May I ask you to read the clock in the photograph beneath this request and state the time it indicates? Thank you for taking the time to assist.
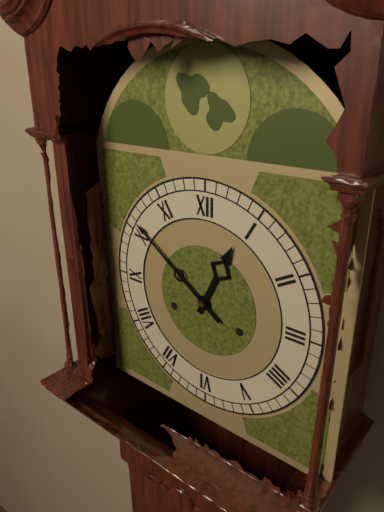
12:51
